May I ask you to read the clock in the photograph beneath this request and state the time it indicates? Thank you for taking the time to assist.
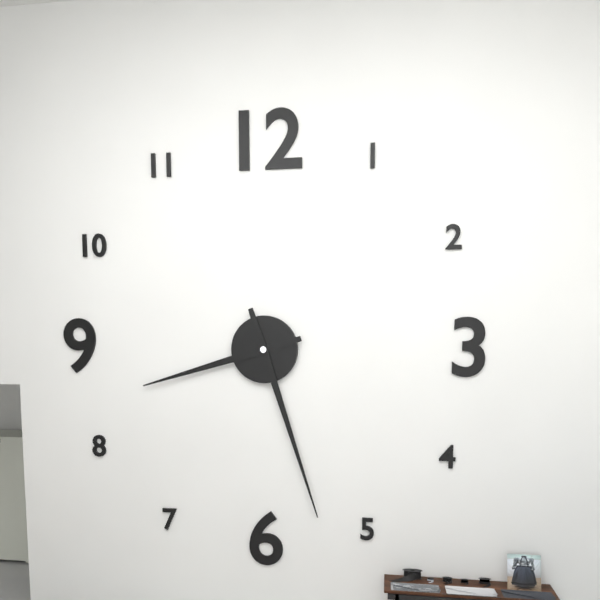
8:27
